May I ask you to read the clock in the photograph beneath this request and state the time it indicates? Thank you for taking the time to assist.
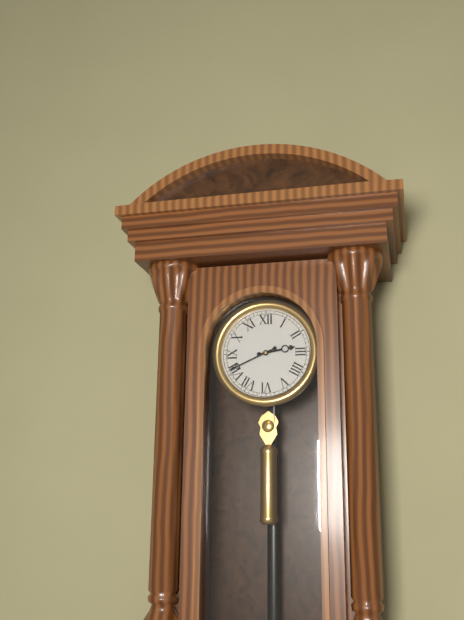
2:41
